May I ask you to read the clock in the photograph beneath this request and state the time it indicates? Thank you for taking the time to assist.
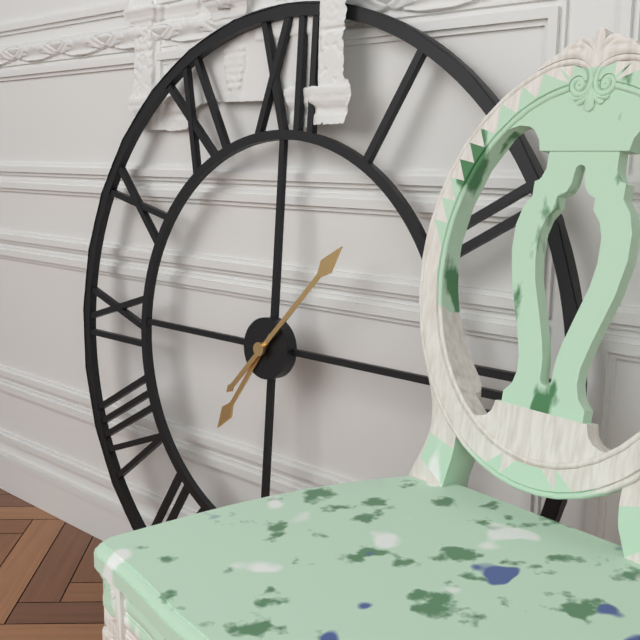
7:07
